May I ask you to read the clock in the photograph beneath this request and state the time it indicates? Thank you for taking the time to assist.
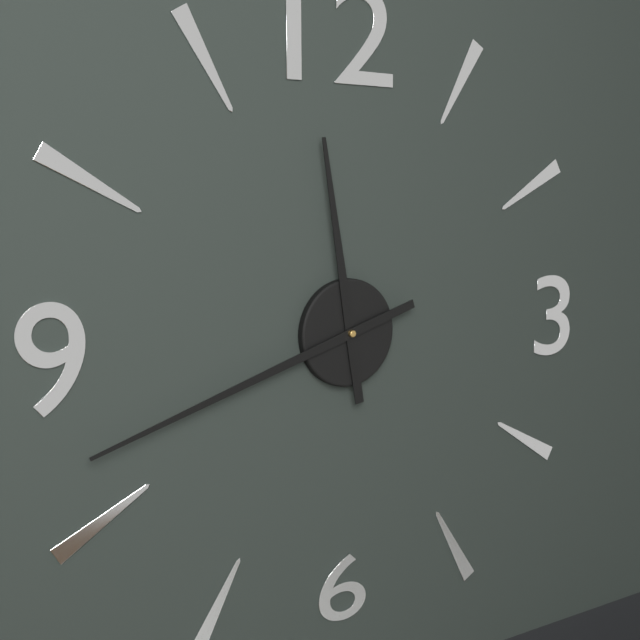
11:42
